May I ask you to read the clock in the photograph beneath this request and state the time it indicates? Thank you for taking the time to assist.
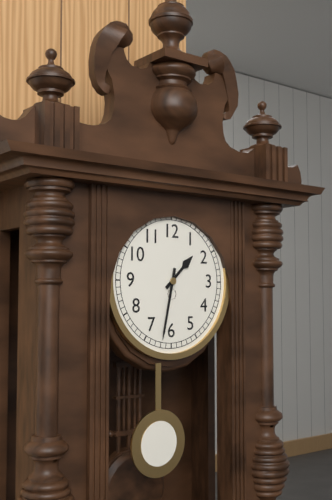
1:32
